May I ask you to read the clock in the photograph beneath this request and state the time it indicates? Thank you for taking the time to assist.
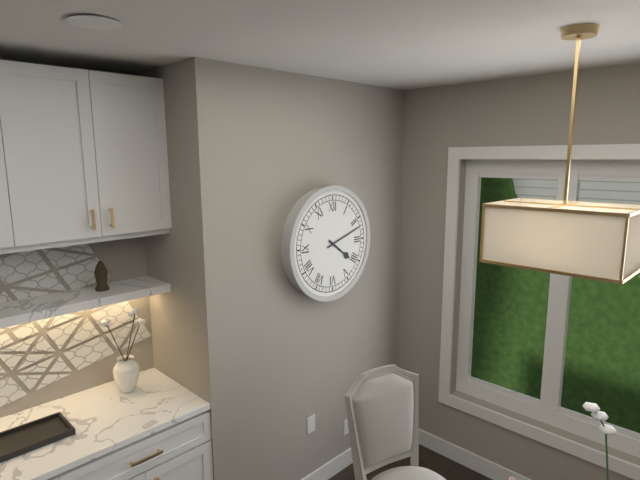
4:12
